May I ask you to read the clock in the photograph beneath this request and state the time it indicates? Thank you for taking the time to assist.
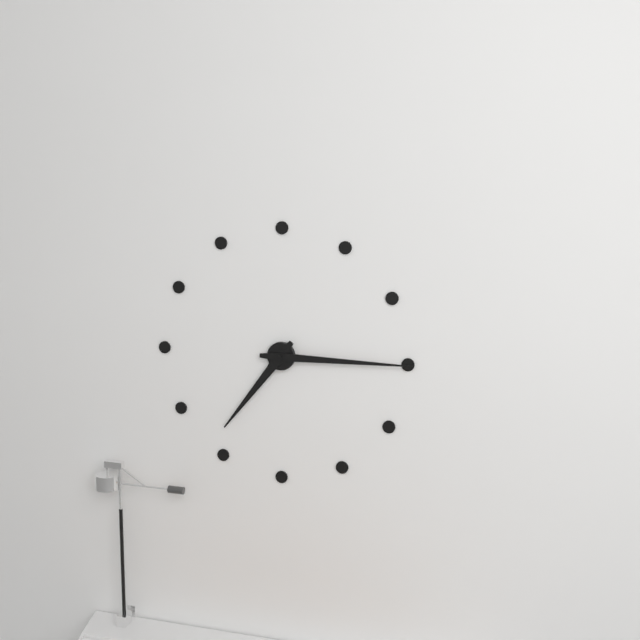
7:15
